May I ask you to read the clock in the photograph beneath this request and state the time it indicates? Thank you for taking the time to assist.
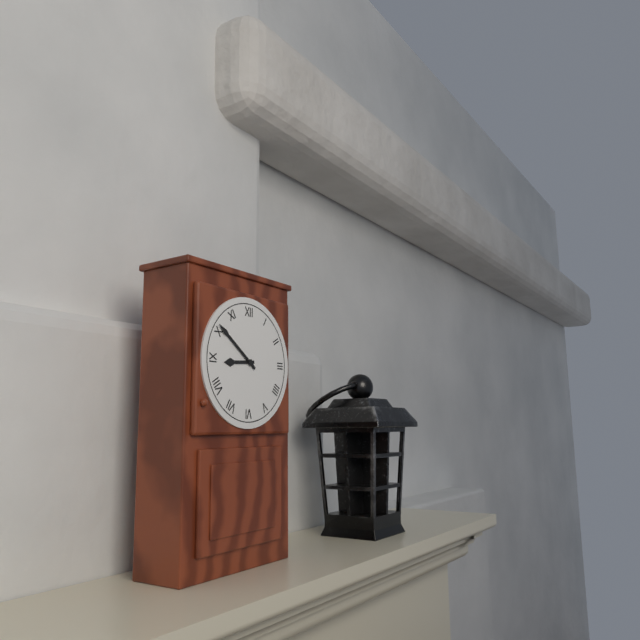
8:51
